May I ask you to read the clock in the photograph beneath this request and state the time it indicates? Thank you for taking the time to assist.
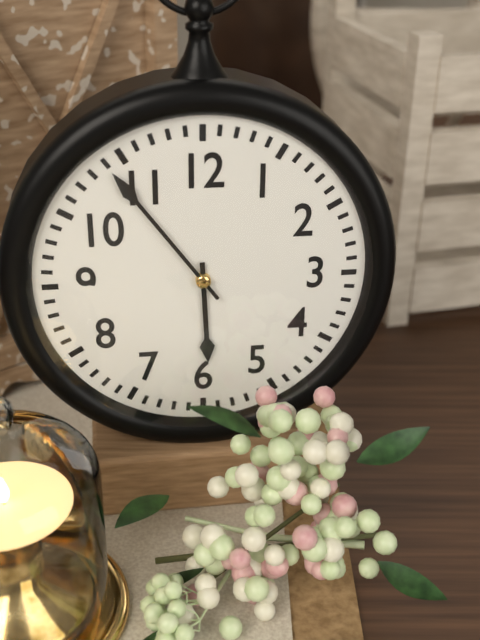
5:54
